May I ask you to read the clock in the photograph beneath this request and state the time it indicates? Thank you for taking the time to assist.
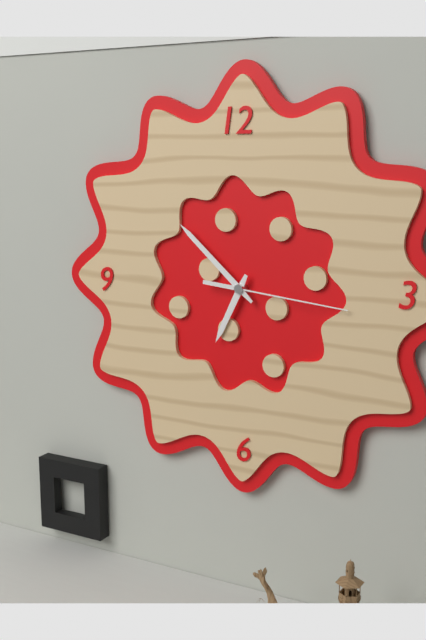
6:52:16
